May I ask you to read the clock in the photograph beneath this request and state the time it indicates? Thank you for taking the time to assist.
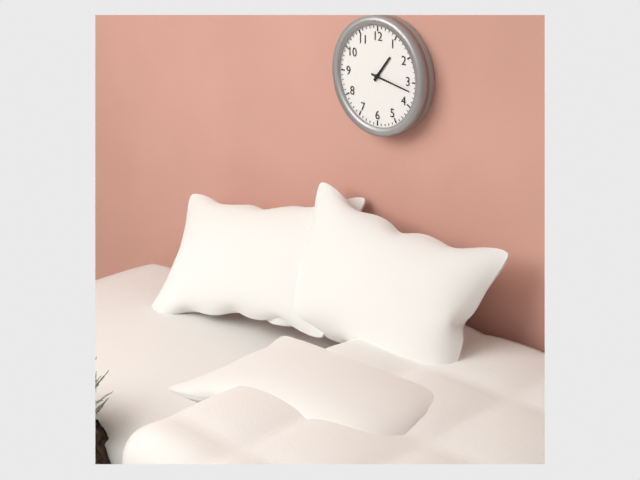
1:17
